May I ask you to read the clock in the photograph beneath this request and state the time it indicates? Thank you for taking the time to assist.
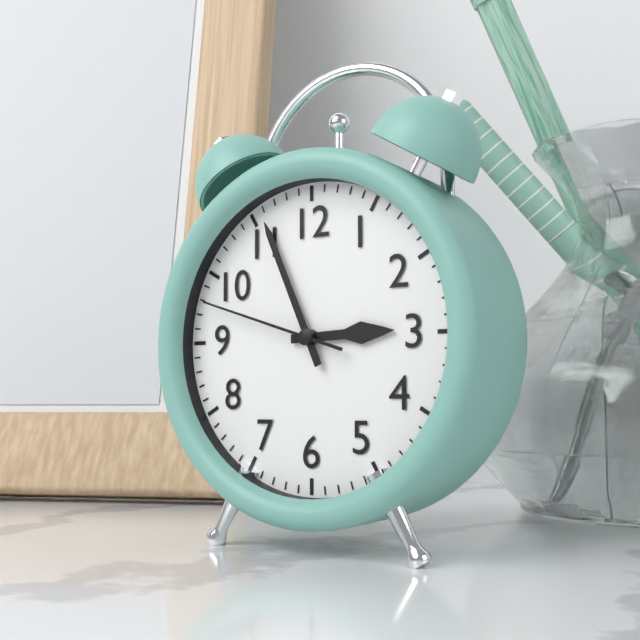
2:56:48
